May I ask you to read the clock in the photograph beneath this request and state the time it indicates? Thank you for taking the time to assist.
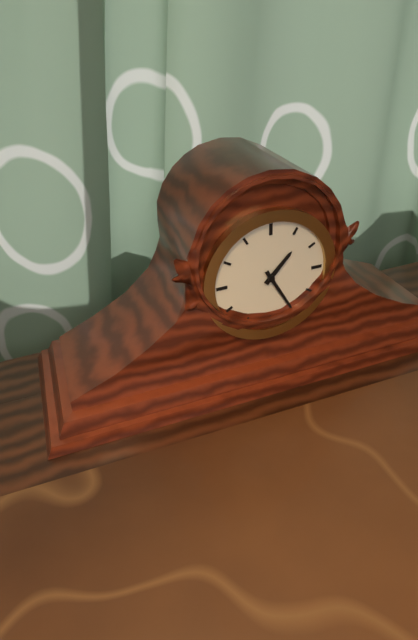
1:25
